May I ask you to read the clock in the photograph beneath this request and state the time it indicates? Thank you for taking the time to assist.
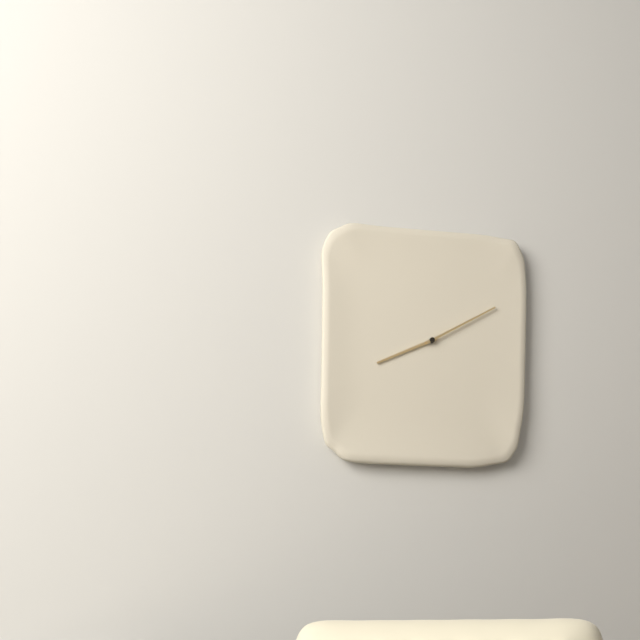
8:10
